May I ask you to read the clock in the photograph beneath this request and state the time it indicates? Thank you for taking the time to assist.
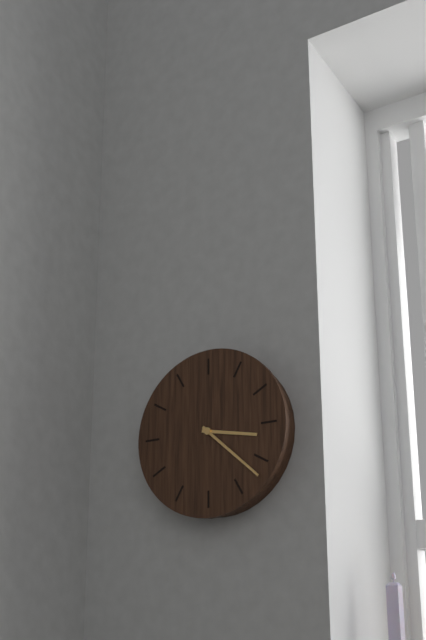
3:22
